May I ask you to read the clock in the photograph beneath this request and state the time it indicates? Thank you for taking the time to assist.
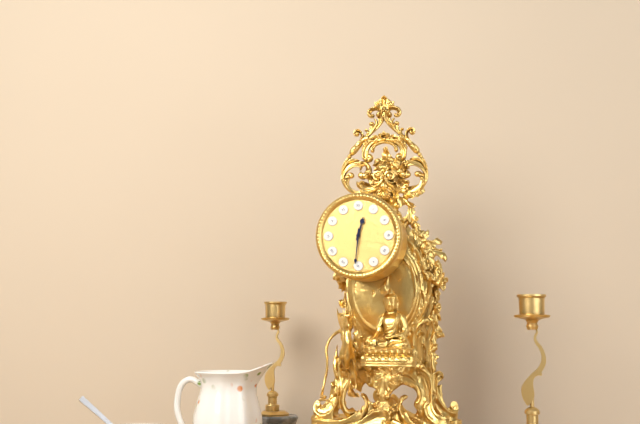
12:31
